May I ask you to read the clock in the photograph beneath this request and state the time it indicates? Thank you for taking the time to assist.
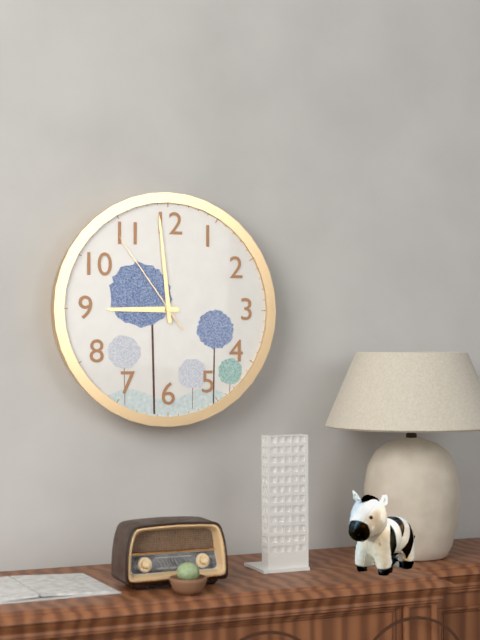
8:59:54
